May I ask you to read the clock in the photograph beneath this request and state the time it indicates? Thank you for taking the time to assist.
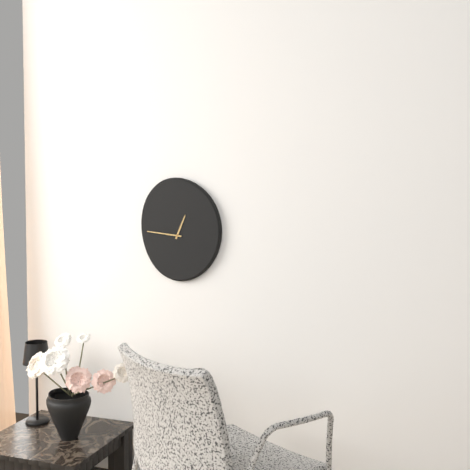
12:46
